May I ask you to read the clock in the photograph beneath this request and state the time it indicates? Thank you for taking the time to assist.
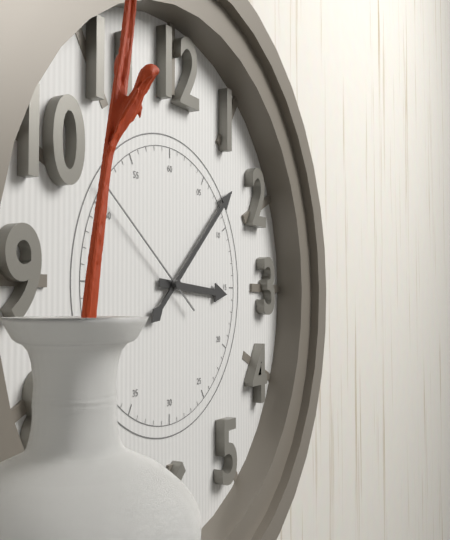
3:08:51
